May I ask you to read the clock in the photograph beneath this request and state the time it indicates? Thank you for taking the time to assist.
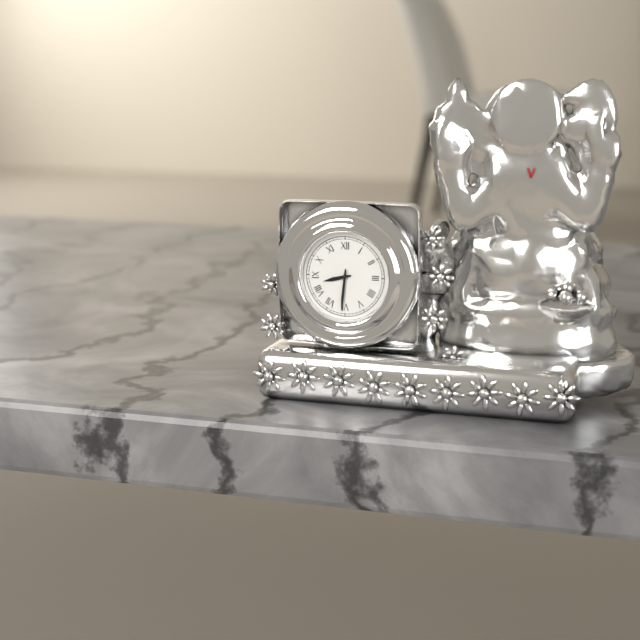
8:31
